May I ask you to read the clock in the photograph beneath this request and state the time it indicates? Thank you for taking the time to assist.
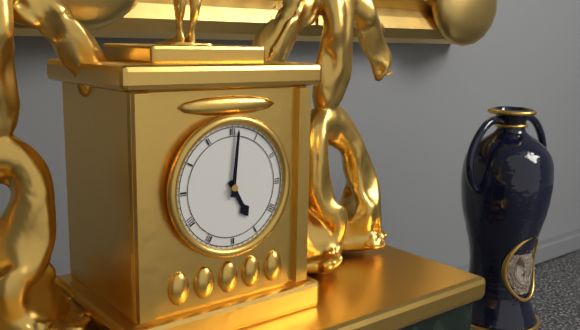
5:01
